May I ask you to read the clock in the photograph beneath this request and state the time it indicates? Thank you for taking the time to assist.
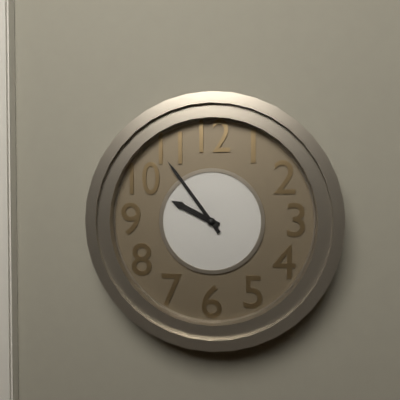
9:54
